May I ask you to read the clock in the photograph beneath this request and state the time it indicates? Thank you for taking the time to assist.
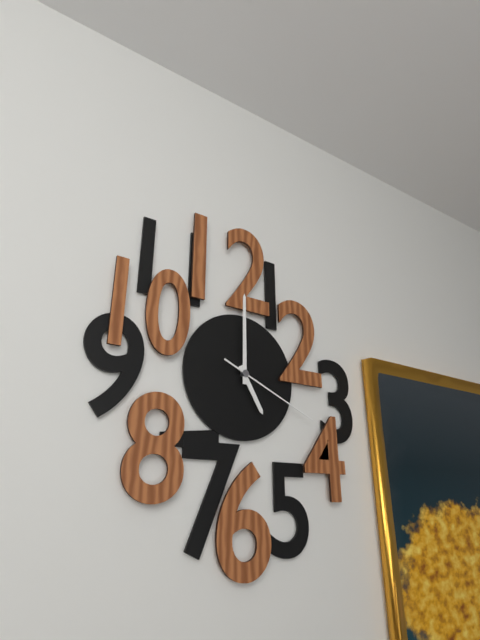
5:00:19
